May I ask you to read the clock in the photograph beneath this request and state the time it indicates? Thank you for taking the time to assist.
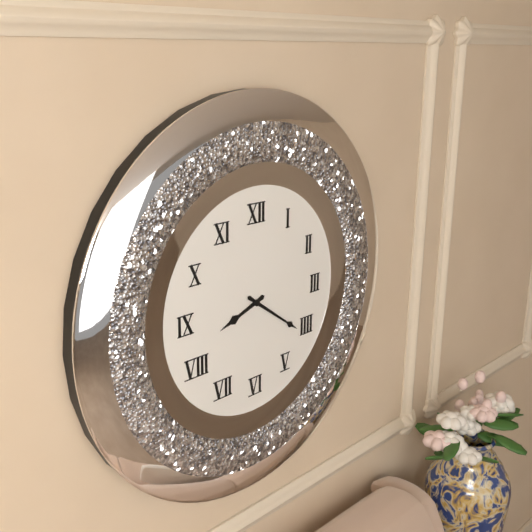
8:21
